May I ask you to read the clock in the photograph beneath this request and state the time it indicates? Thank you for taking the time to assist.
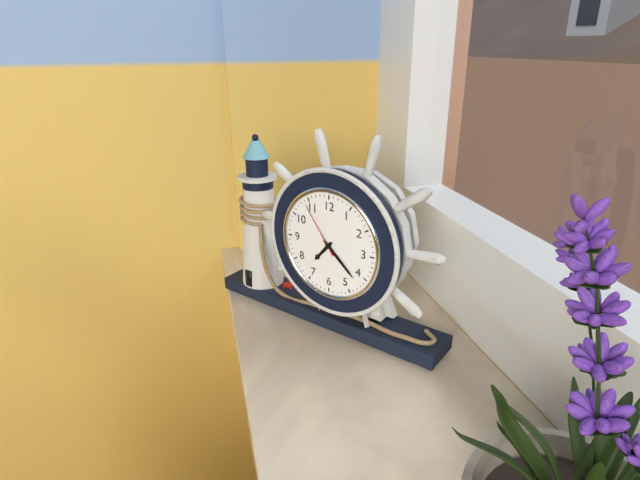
7:22:54
